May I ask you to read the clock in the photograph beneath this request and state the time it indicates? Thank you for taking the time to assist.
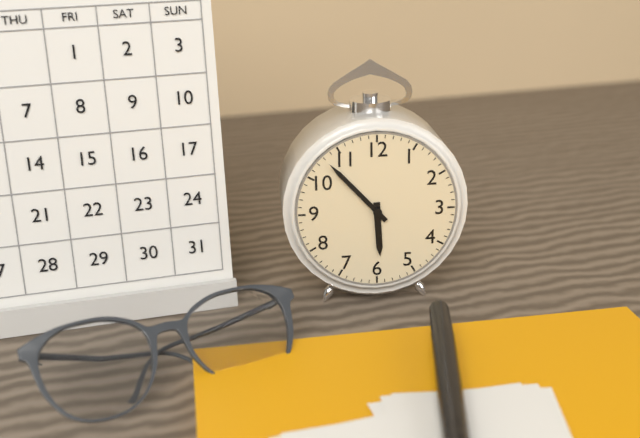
5:53
